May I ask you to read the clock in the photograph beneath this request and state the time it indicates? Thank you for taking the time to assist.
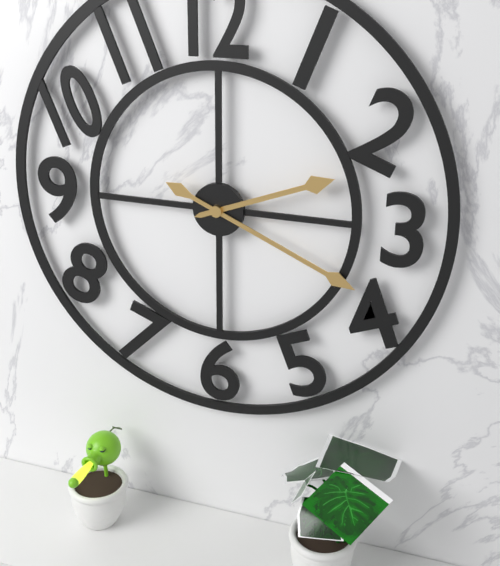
2:19
